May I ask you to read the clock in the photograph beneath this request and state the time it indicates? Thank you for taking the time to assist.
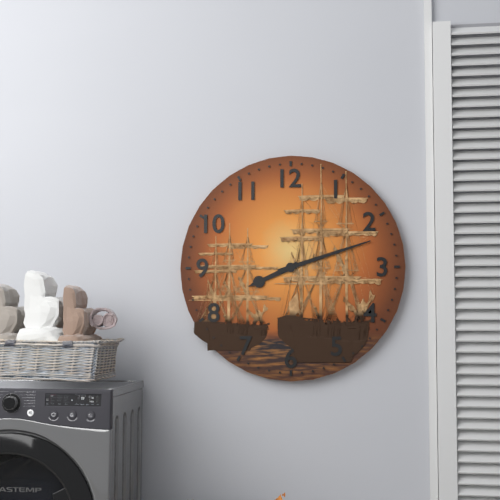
8:12
